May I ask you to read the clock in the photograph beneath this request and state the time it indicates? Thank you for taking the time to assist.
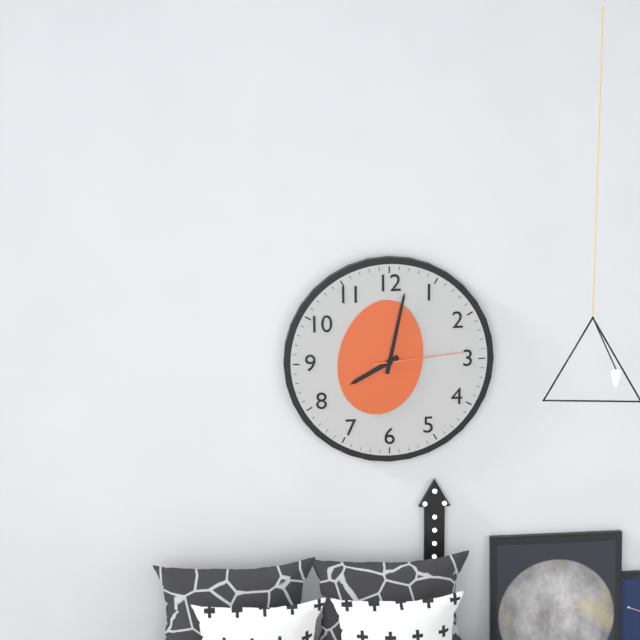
8:02:14
